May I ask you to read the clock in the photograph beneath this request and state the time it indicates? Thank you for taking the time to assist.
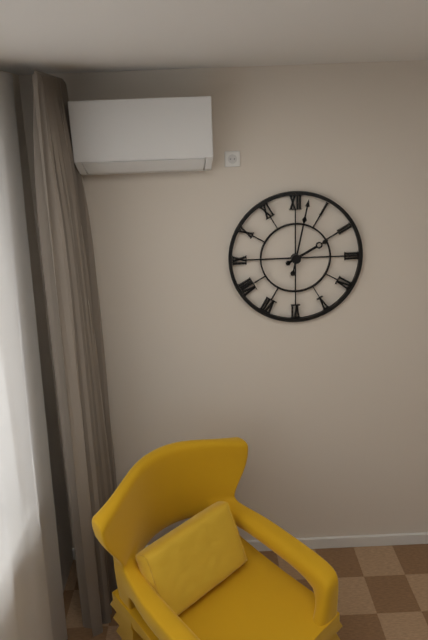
2:02
